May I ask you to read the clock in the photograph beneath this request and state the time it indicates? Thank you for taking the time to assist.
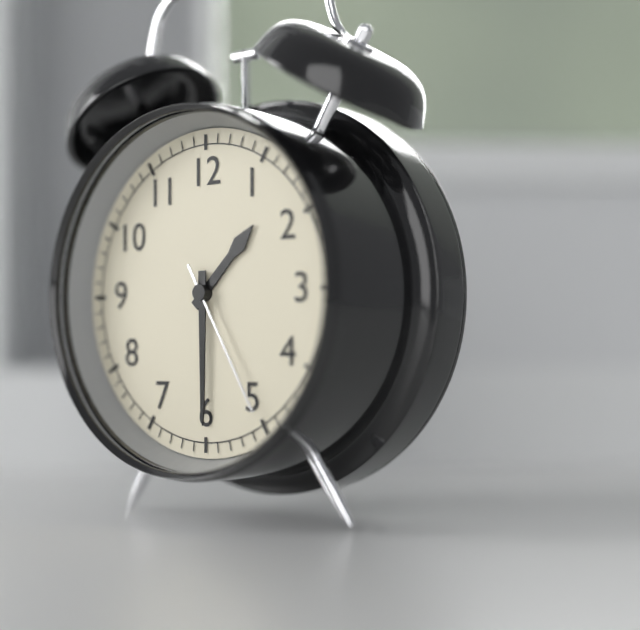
1:30:25
